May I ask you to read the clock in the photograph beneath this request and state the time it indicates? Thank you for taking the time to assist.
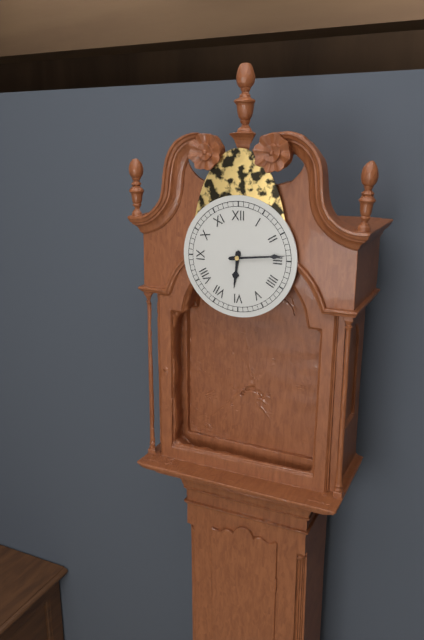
6:14
